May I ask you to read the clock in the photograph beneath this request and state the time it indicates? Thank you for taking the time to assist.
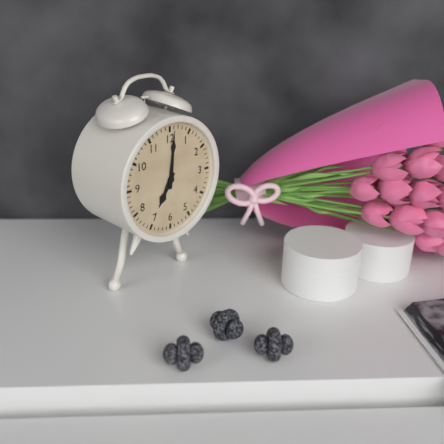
7:01
